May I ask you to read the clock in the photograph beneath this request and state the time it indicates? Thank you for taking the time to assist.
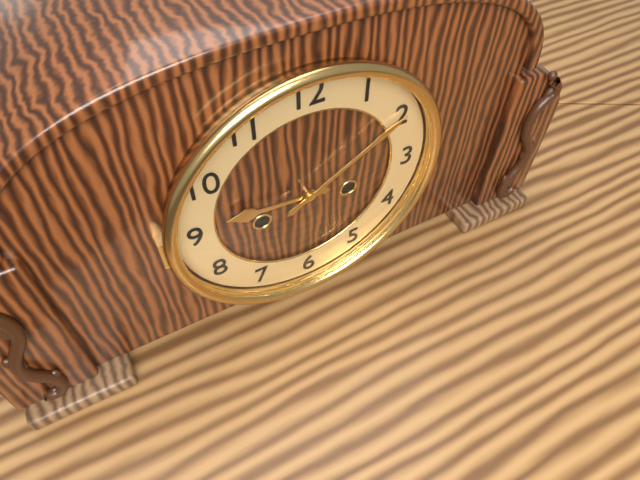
9:10
